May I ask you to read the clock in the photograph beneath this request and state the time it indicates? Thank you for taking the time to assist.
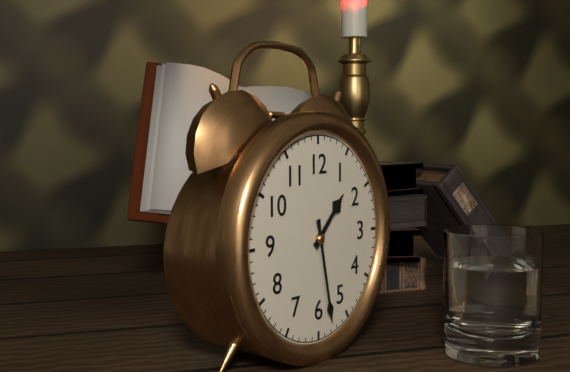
1:28
